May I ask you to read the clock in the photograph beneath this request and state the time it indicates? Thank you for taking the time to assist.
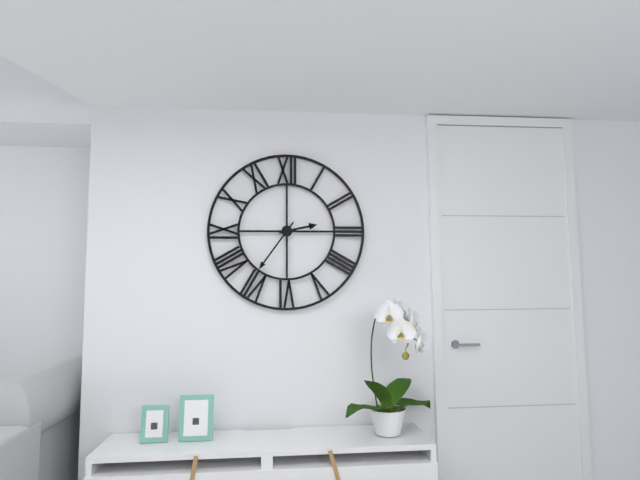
2:36
